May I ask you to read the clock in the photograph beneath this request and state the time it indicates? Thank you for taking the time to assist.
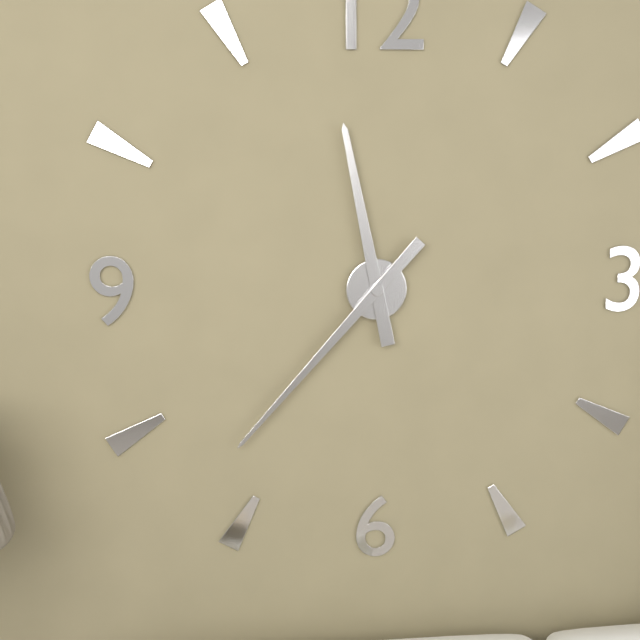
11:37
